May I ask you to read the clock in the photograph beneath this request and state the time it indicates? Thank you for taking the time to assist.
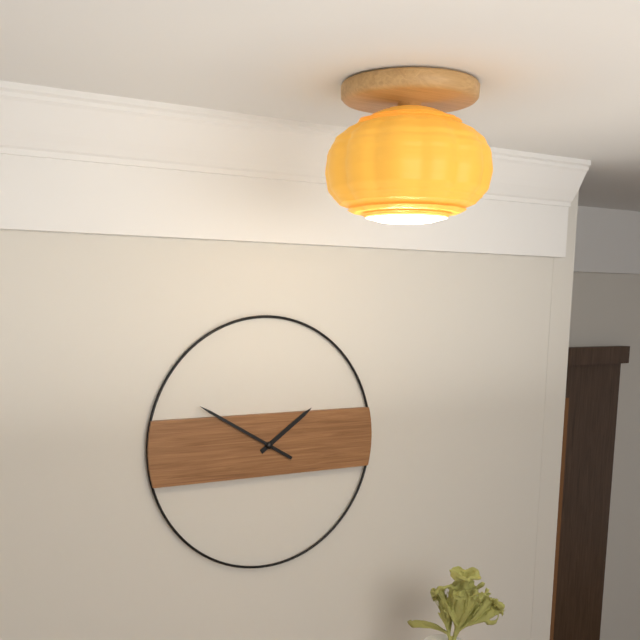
1:50
